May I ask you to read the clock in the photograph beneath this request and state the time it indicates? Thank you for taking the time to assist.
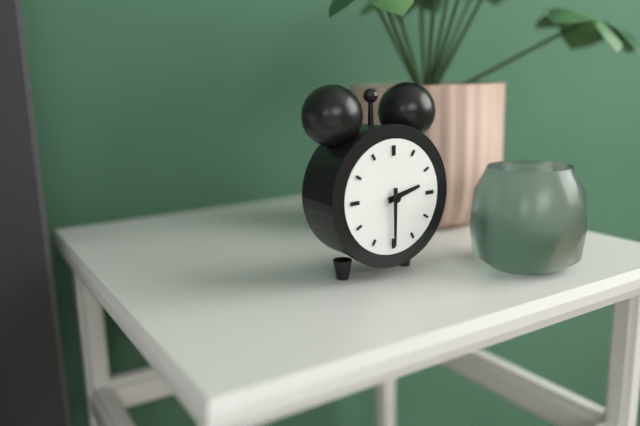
2:30
